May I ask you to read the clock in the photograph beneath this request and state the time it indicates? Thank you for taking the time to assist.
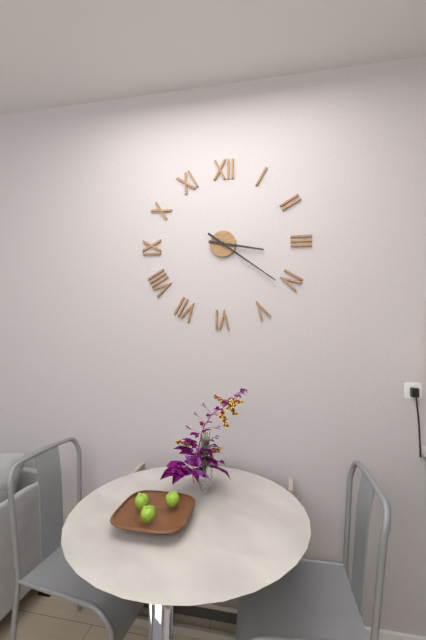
3:21
